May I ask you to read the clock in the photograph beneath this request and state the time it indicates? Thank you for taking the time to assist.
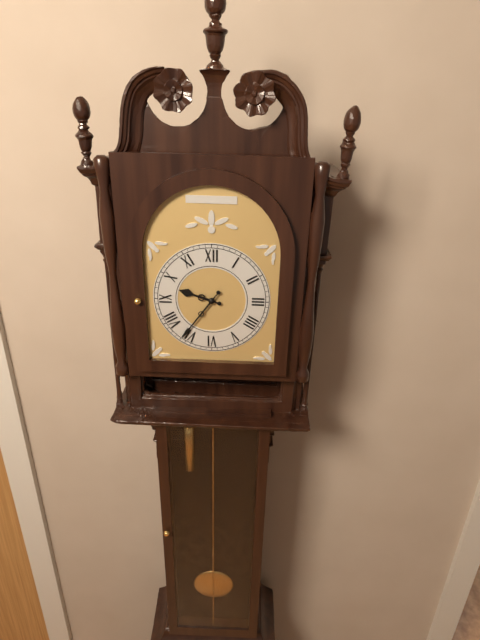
9:36
